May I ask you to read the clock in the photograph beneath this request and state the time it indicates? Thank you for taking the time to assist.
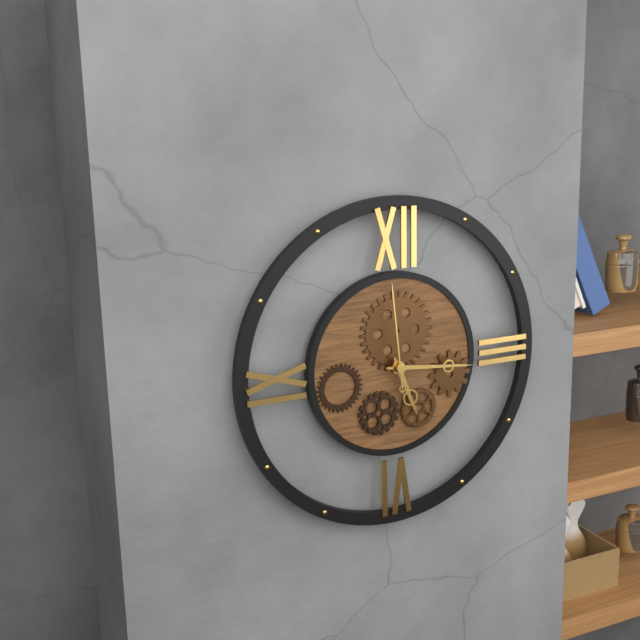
5:16:59
